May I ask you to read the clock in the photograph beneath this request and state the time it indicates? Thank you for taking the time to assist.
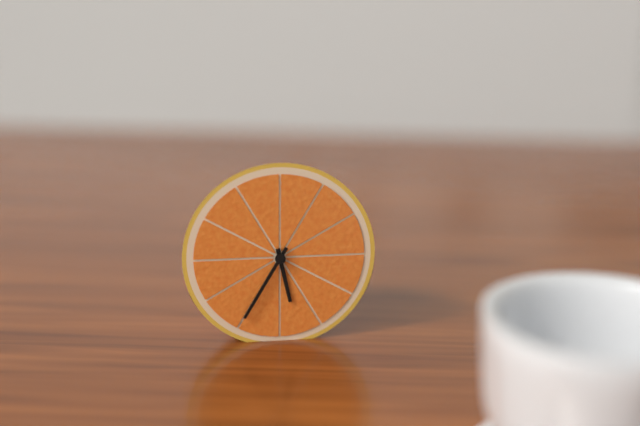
5:35
